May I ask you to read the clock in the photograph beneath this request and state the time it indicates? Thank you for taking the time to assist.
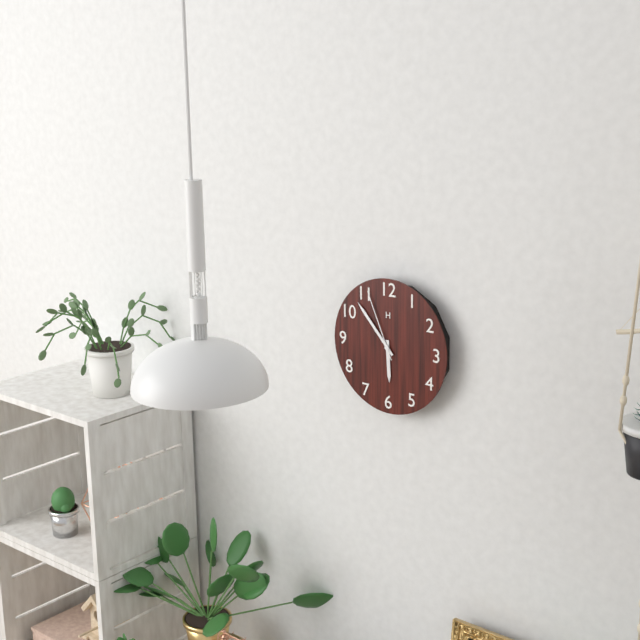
5:53:56
